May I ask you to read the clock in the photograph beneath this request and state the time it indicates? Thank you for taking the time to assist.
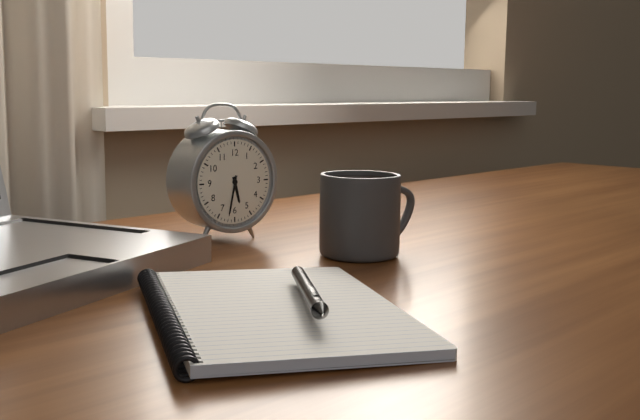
5:32
